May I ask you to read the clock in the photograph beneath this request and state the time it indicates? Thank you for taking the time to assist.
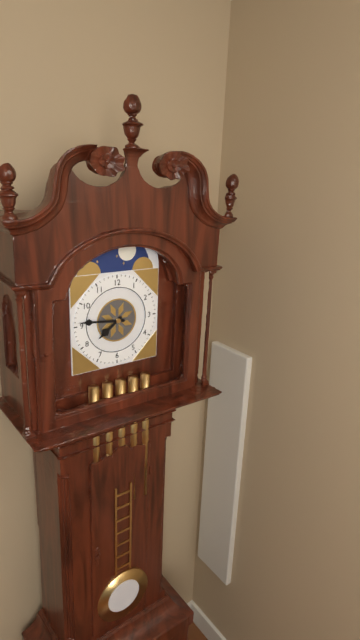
7:46
